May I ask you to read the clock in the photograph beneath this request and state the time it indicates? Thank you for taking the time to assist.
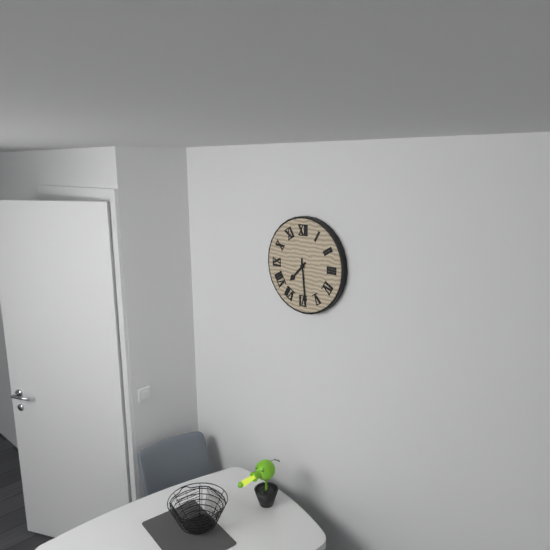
7:29
